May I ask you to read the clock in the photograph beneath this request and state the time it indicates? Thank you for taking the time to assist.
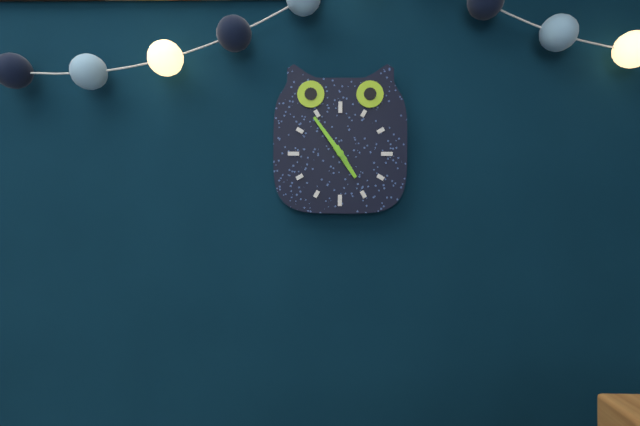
4:54
